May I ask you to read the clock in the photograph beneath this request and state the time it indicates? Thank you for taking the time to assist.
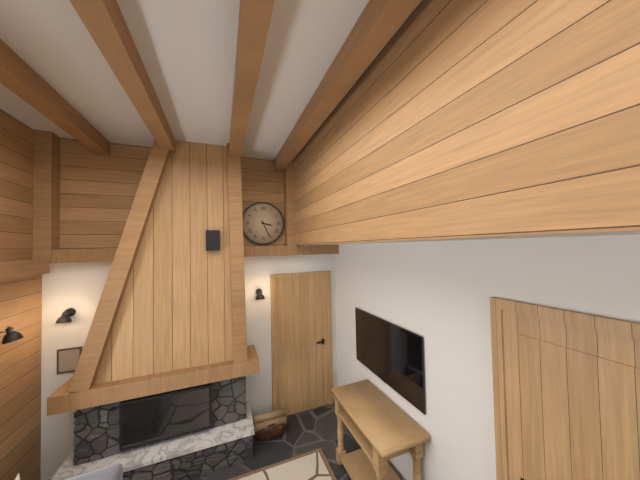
3:26
